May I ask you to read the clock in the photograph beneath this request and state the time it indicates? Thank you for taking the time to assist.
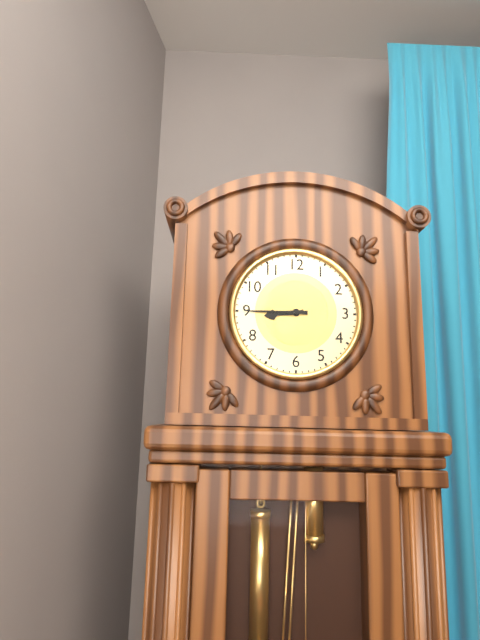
8:45
